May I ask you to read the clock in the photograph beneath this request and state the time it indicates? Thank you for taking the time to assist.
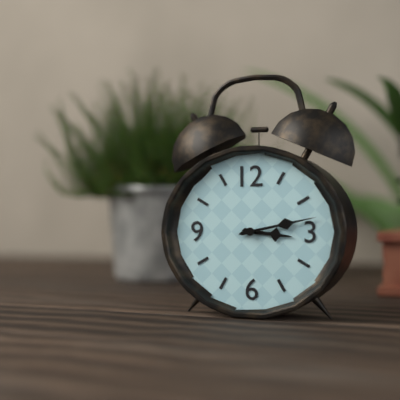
3:13
